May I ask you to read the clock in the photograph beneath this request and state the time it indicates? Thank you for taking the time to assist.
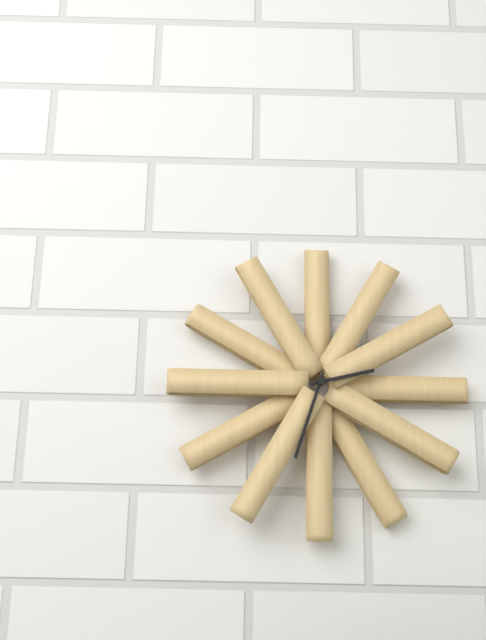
2:33
